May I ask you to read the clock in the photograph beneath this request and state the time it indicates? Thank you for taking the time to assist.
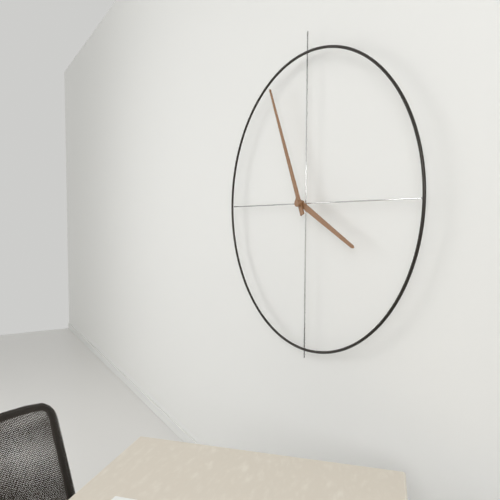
3:56
